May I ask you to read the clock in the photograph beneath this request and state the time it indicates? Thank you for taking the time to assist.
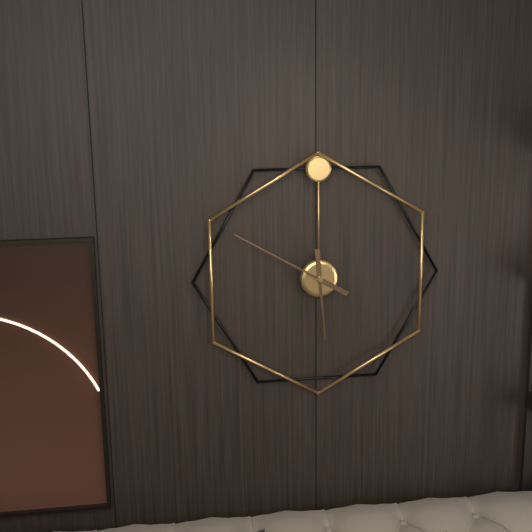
5:50
